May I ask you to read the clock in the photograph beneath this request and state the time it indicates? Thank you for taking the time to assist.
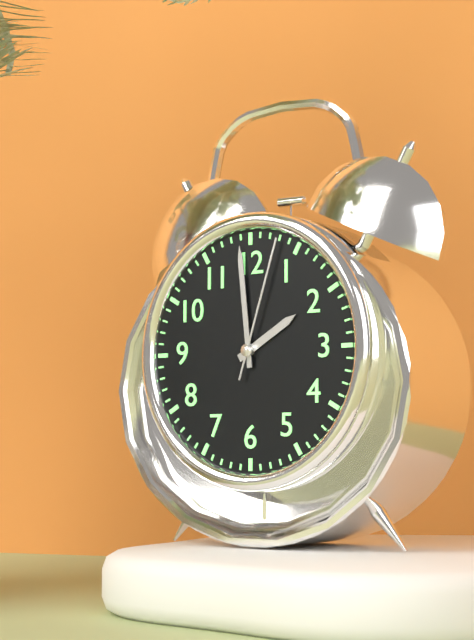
1:59:03
